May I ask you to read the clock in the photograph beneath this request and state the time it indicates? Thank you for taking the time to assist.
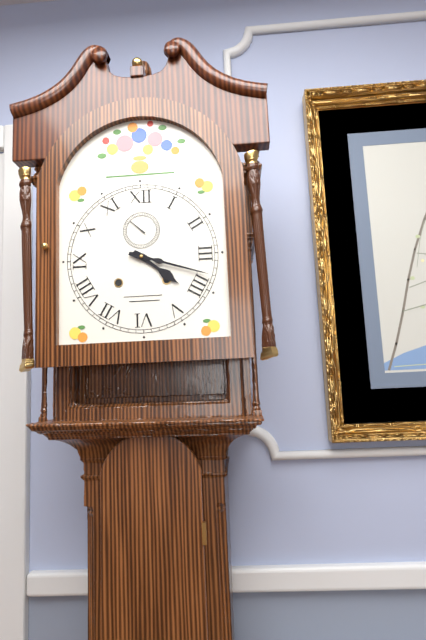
4:18
